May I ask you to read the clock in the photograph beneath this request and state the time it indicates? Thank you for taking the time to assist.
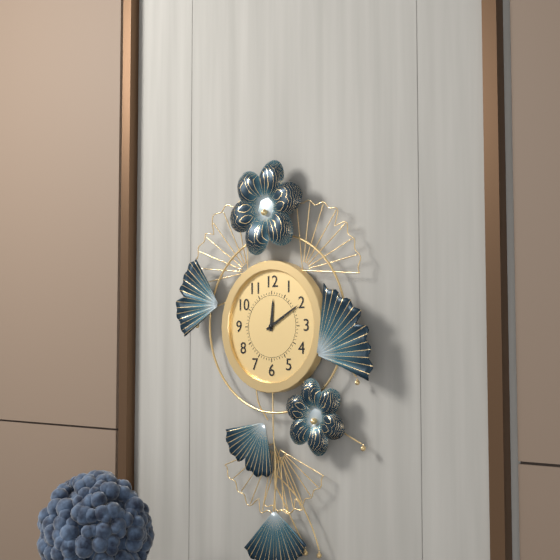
12:10
